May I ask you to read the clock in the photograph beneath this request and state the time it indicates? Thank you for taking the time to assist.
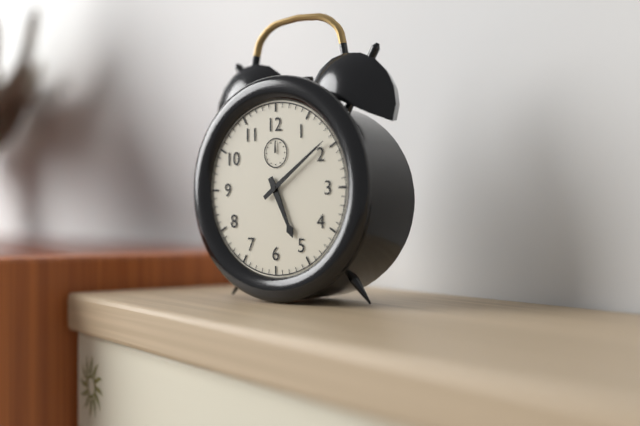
5:09
